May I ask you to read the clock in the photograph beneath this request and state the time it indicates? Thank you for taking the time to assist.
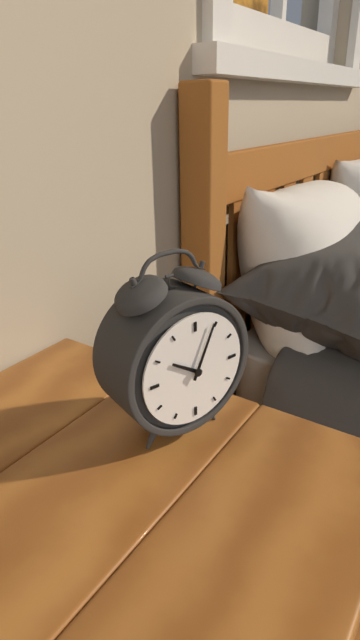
10:04
